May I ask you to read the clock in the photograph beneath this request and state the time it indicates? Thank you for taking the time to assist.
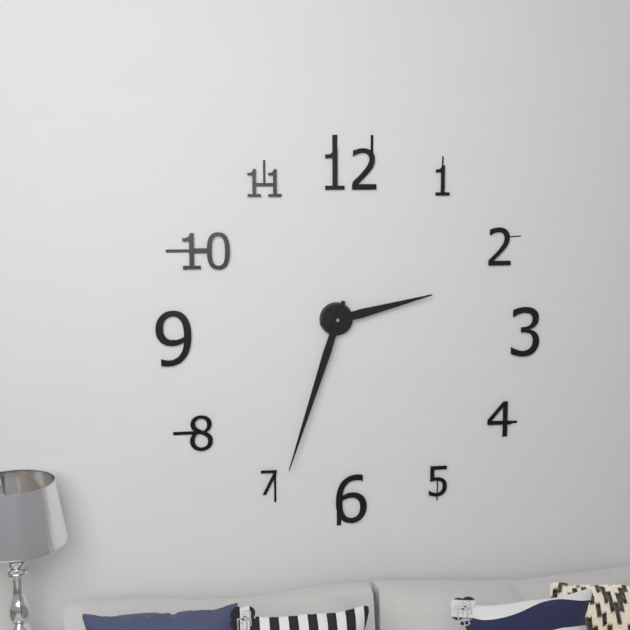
2:33
